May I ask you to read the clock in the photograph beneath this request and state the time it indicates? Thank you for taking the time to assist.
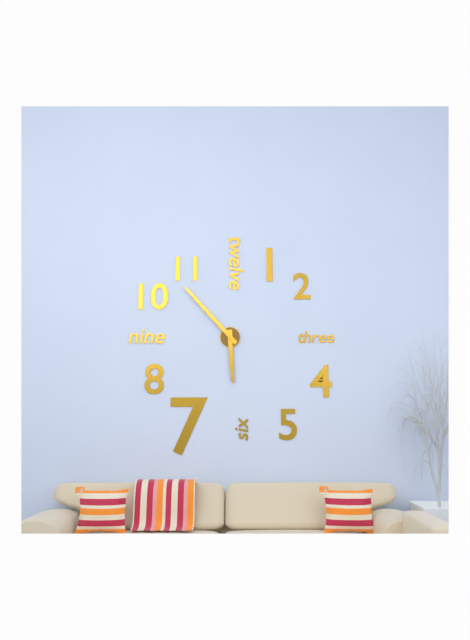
5:53
